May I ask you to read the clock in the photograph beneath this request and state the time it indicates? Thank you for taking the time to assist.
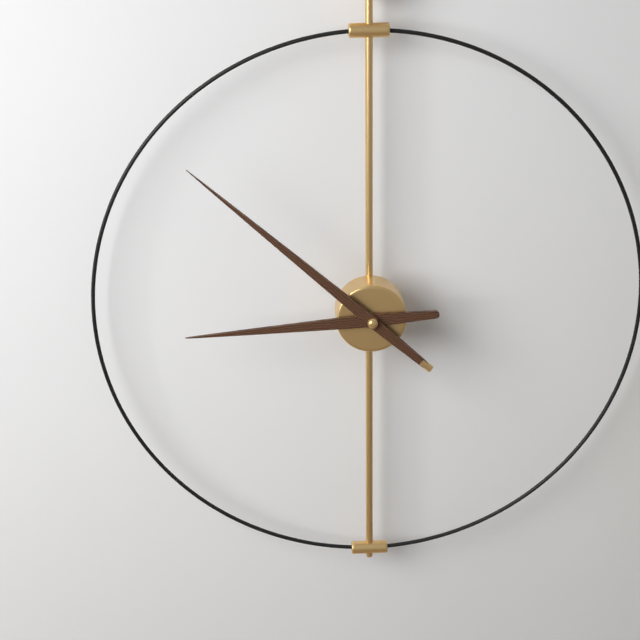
8:52
